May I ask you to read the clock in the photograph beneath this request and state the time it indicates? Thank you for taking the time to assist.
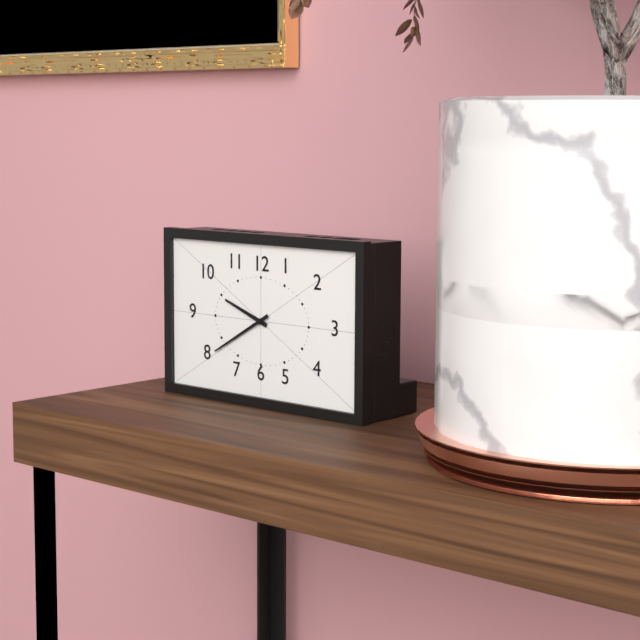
9:40
